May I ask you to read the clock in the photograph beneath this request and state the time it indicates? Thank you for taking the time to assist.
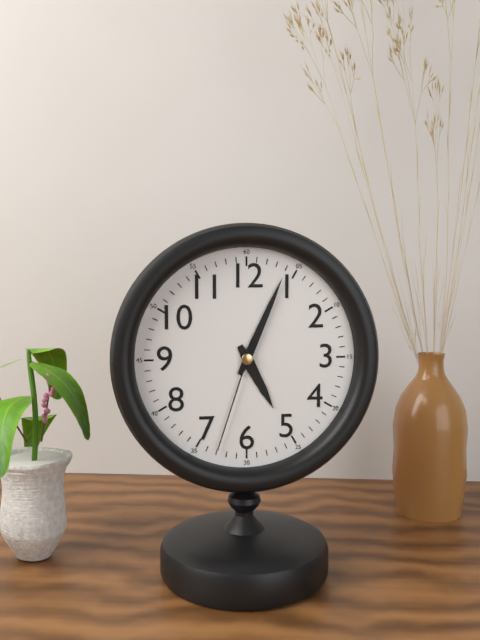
5:04:33
